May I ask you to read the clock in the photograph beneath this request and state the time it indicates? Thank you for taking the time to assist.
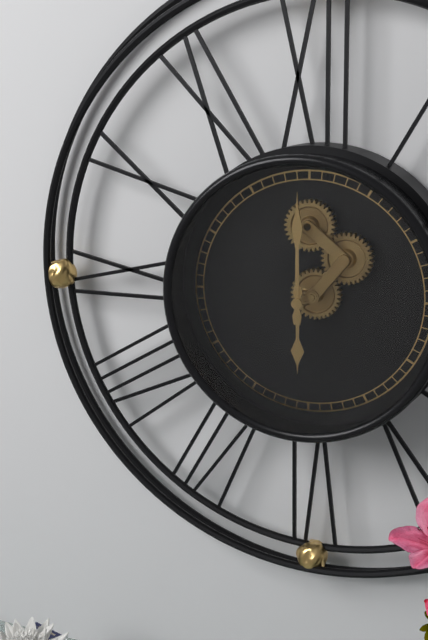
6:00
